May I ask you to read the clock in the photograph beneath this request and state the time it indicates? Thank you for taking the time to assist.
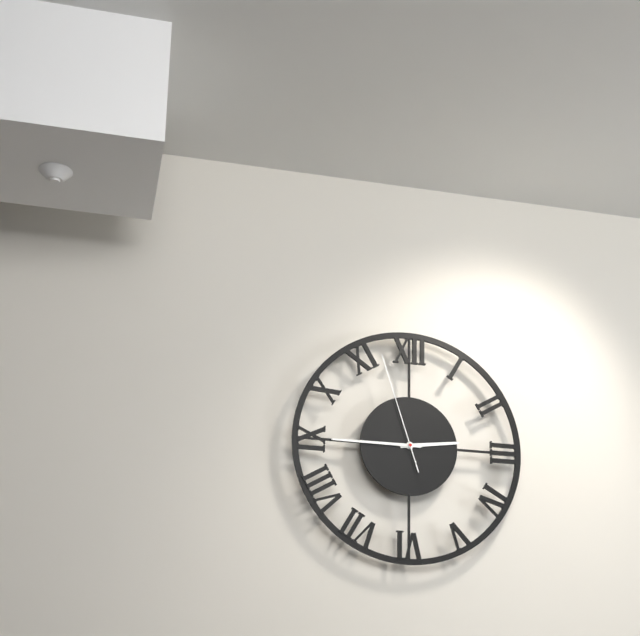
2:45:57
